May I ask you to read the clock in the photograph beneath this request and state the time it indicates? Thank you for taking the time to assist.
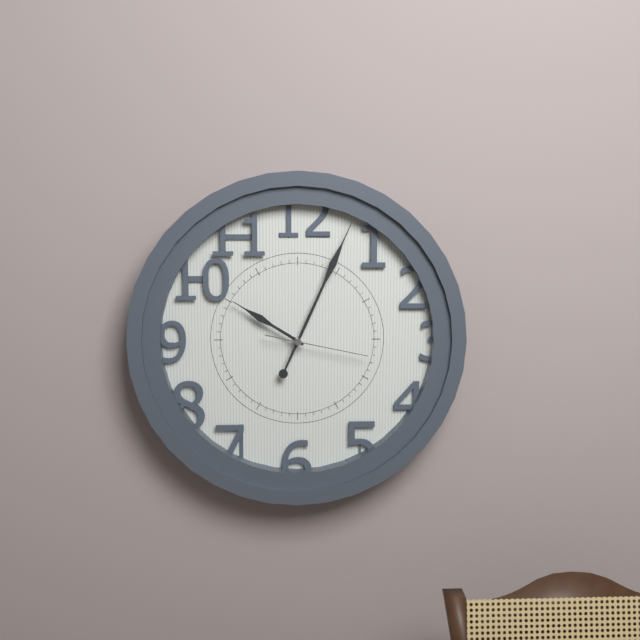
10:04:17
